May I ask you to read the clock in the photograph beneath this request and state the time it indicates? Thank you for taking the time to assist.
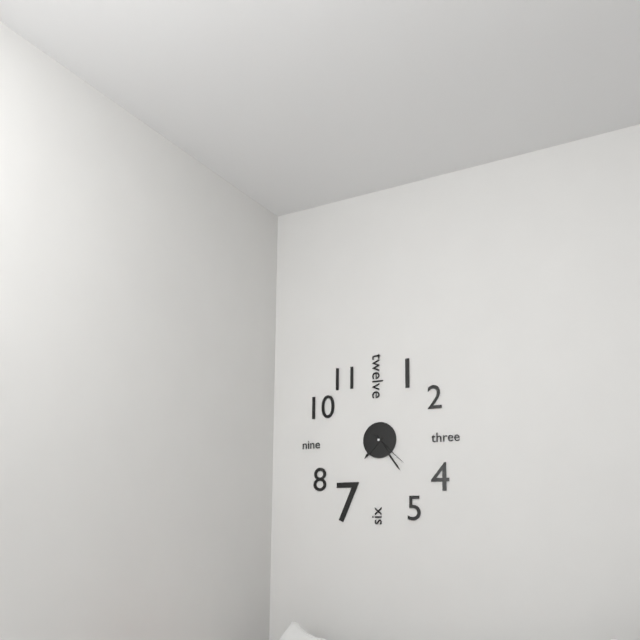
7:24
